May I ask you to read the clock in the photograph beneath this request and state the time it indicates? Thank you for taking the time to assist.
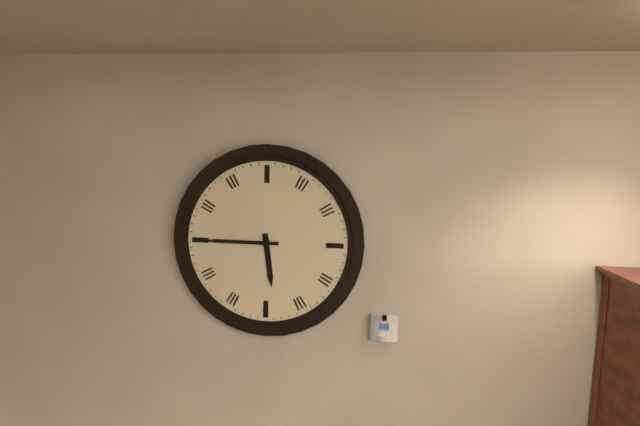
5:45
